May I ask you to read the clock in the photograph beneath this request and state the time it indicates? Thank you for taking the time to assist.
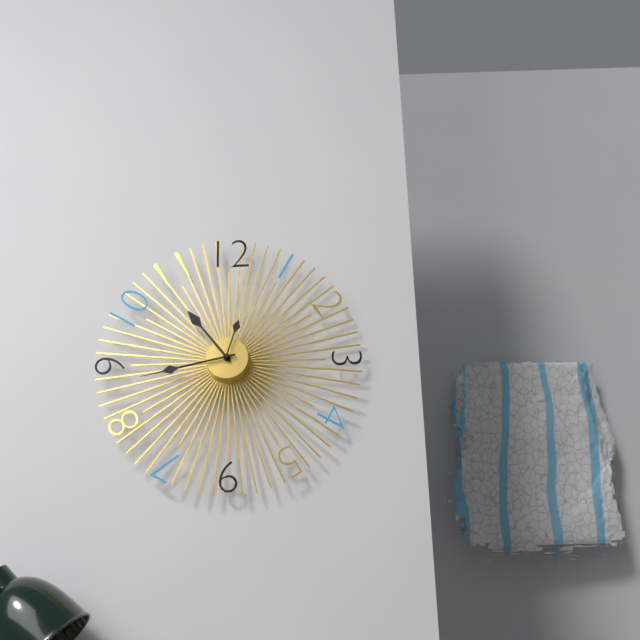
10:43:03
